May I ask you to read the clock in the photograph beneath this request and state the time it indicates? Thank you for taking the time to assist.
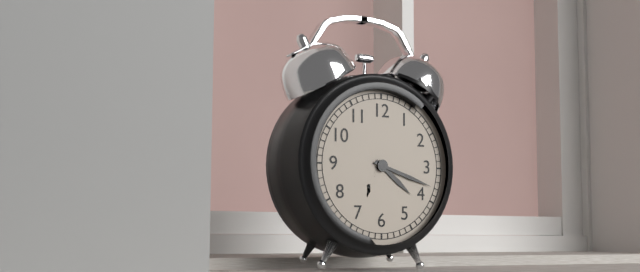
4:18
